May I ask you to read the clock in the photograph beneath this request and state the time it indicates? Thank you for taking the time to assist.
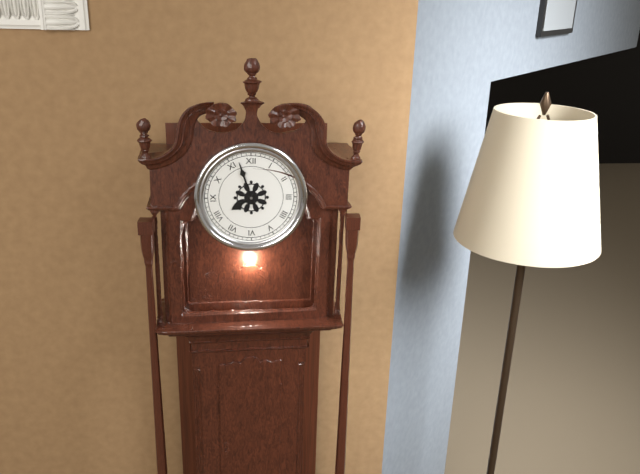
7:57
